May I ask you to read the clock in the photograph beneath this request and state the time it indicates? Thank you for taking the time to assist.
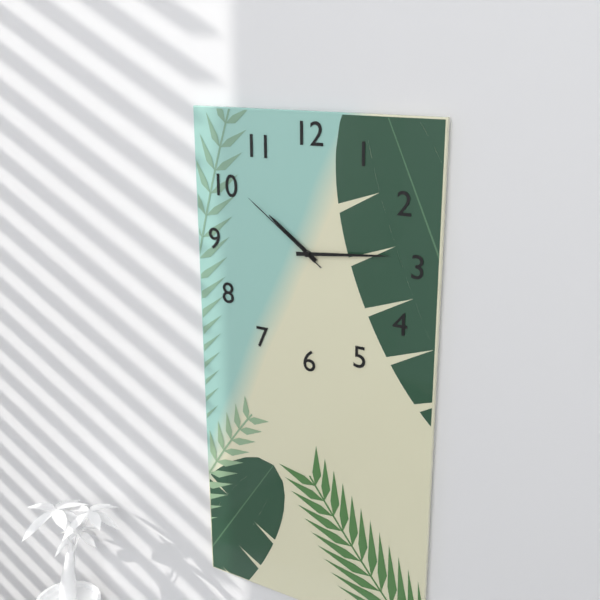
10:14:51
